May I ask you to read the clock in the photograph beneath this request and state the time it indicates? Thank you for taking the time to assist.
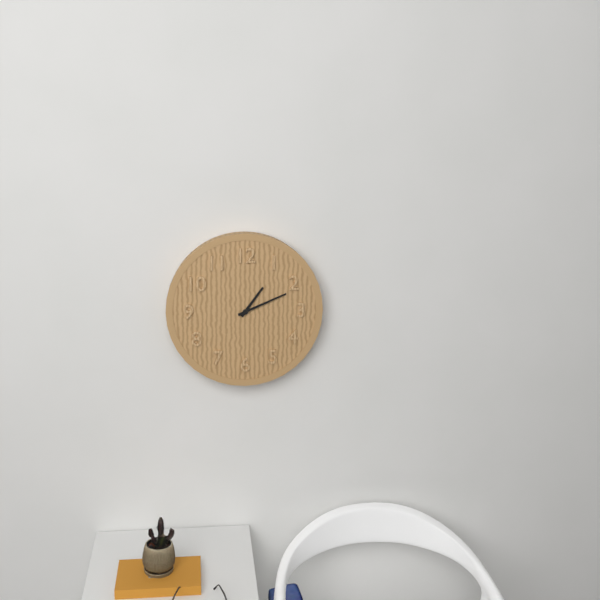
1:11
